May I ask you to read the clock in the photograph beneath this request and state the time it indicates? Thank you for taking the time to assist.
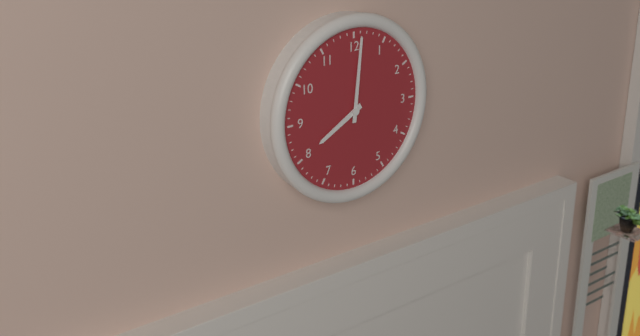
8:01
